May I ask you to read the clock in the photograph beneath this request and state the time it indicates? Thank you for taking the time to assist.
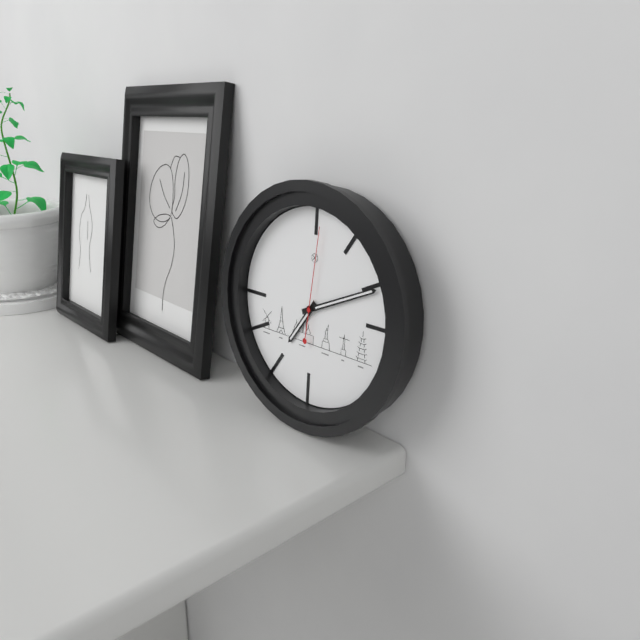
7:11:01
